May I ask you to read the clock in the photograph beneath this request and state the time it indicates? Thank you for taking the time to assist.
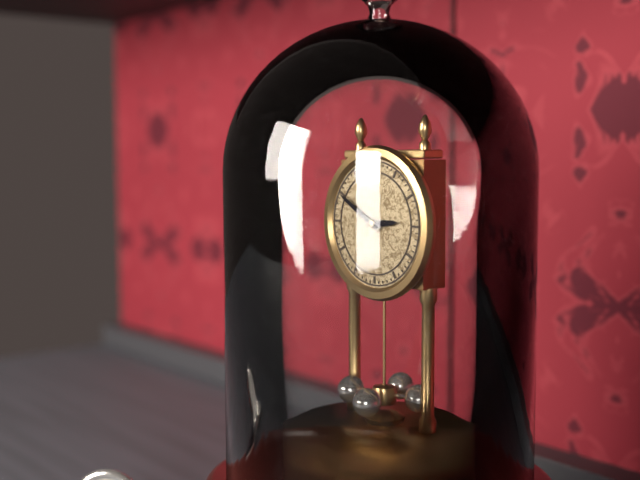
2:50
